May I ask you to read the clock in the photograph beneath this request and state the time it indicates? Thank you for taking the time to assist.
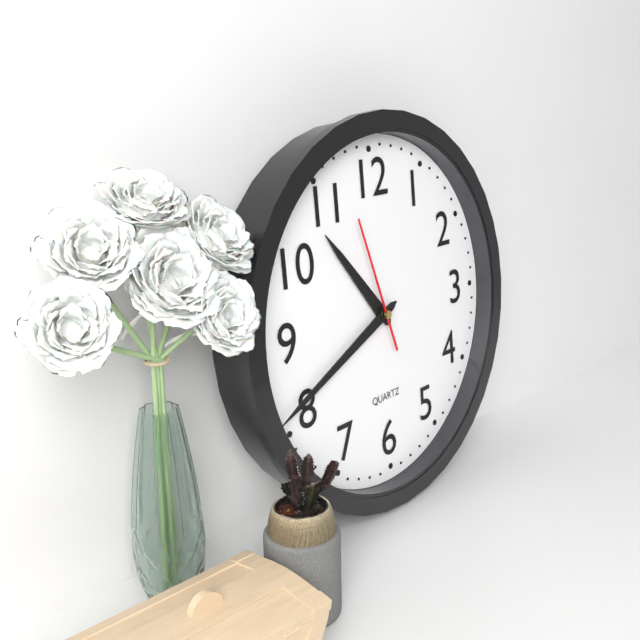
10:41:57
